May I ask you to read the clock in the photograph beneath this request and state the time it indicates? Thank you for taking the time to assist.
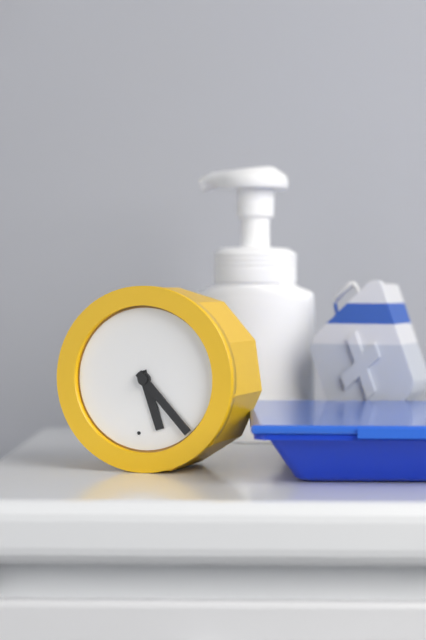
5:23
